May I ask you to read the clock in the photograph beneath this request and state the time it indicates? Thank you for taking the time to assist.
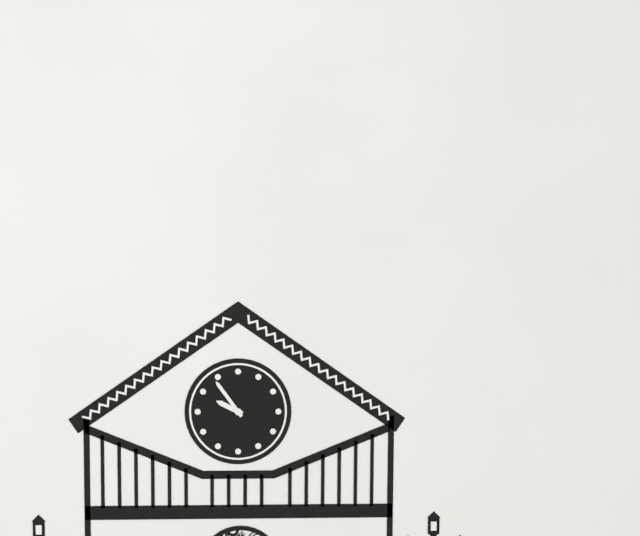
9:54
